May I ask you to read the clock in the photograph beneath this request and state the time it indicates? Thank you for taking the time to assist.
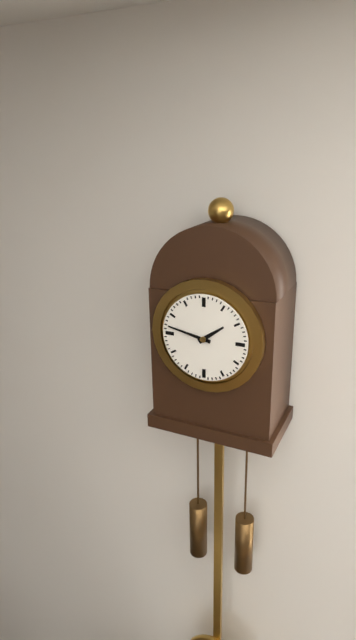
1:47
